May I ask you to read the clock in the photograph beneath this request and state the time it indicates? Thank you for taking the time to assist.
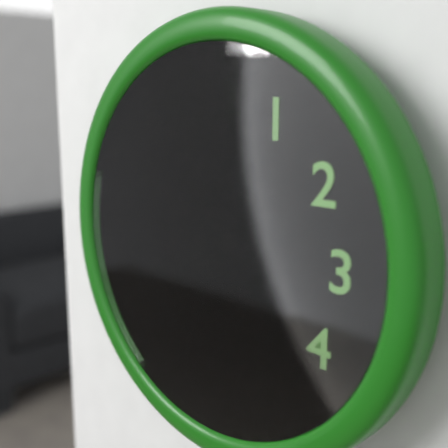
11:39:42
